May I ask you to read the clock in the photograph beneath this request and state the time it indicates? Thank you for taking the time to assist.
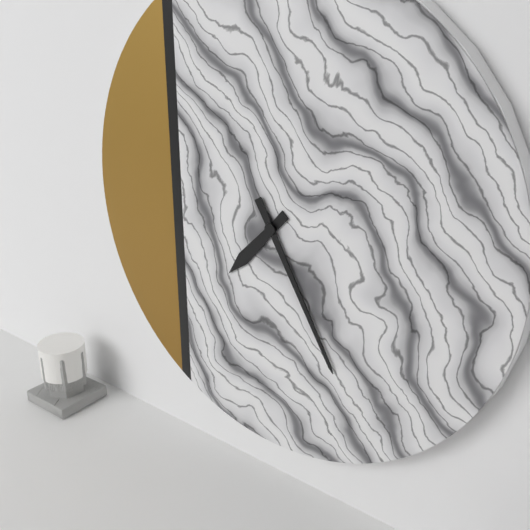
7:25
